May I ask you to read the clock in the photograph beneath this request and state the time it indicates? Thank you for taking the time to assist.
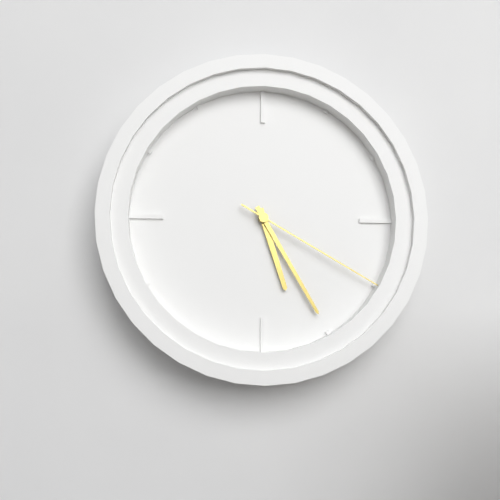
5:25:20
